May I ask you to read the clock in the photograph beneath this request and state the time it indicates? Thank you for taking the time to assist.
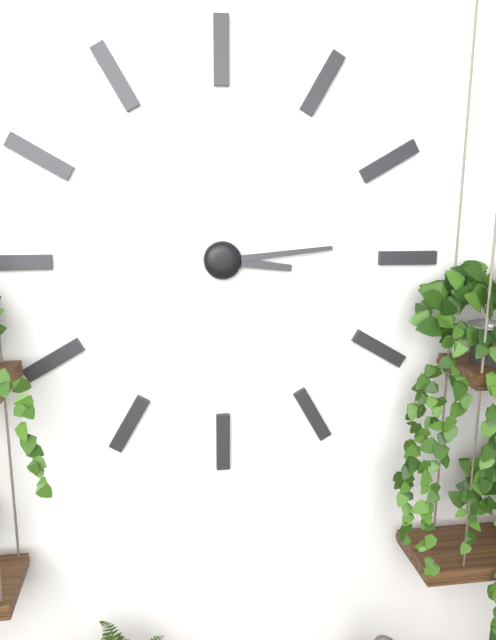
3:14
